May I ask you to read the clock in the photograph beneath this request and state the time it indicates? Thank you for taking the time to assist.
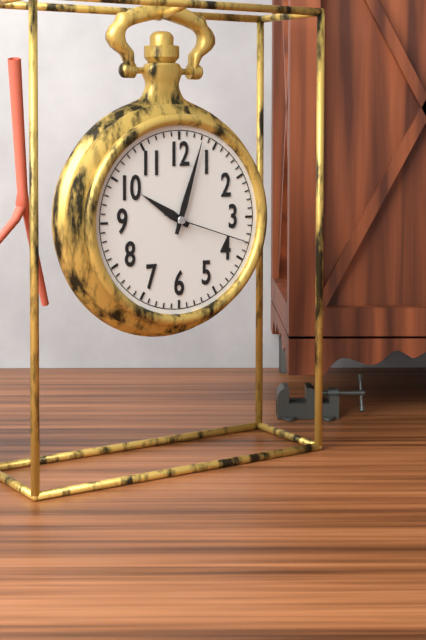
10:03:18
